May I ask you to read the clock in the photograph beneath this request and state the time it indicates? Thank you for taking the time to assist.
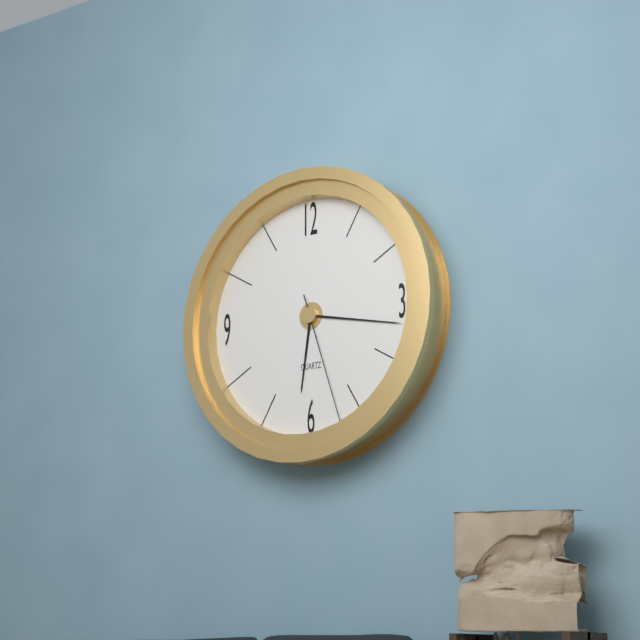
6:17:27
